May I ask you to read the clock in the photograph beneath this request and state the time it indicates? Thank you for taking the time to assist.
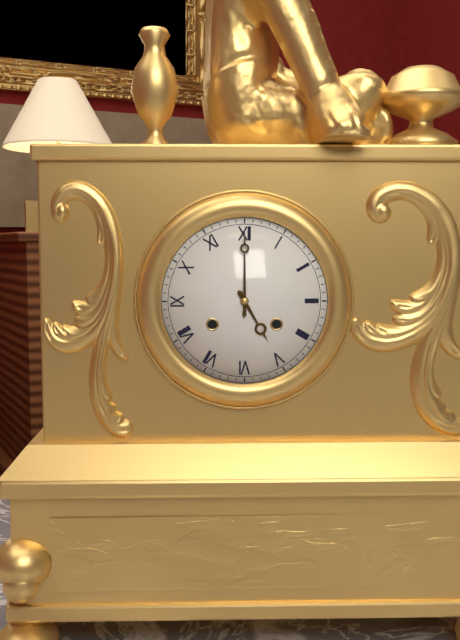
5:00
